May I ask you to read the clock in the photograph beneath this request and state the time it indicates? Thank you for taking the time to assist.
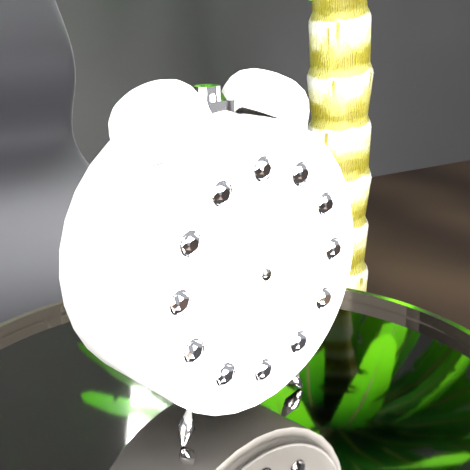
1:33:38
